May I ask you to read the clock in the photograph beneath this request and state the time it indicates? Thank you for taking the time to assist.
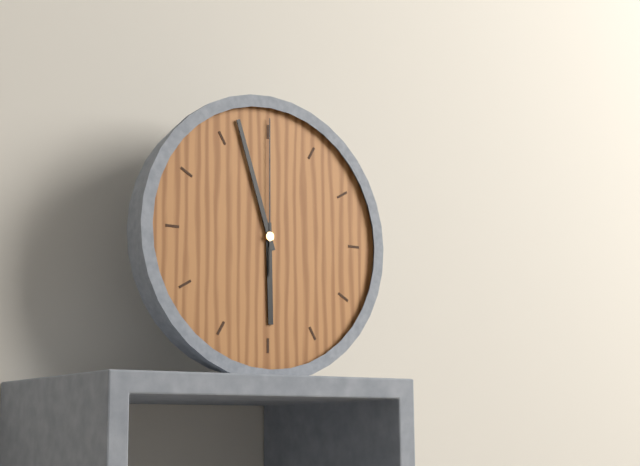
5:57:00
